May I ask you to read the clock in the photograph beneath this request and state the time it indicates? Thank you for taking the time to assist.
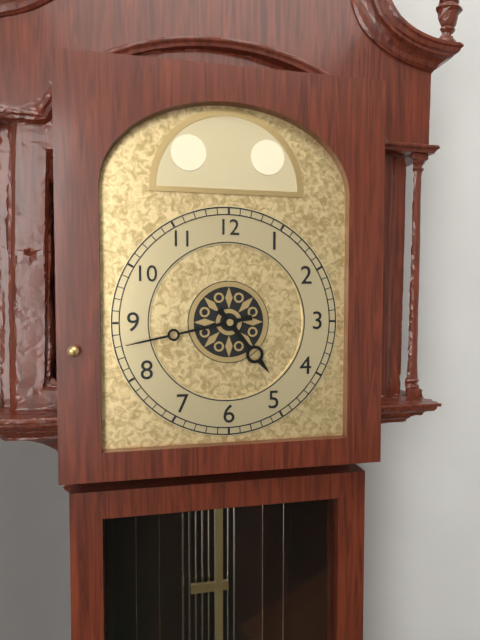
4:43
